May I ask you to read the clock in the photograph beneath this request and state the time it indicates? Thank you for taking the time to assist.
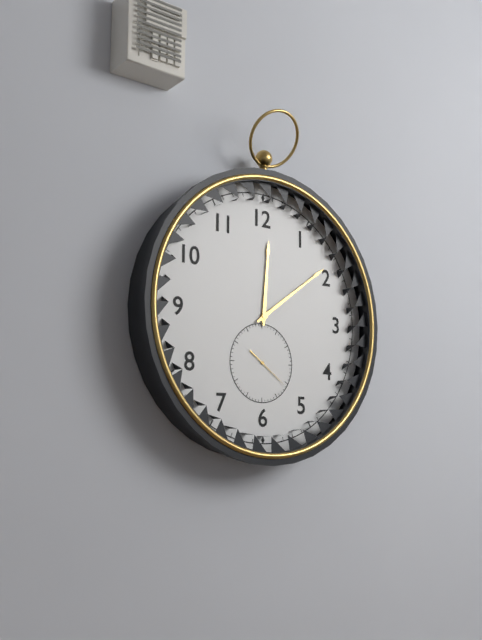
12:09
